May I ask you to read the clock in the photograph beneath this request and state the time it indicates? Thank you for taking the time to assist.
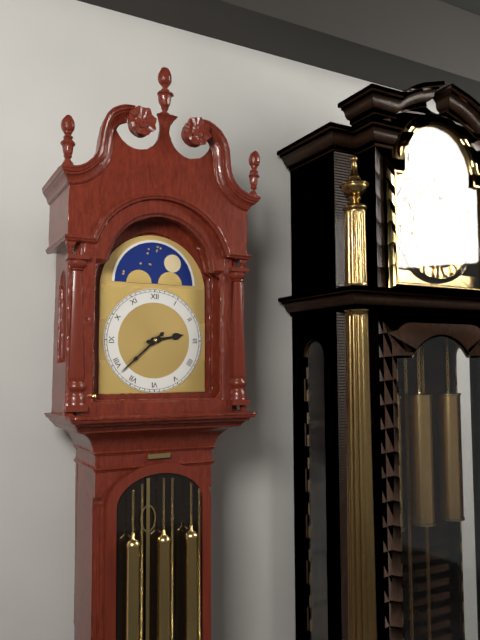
2:38
